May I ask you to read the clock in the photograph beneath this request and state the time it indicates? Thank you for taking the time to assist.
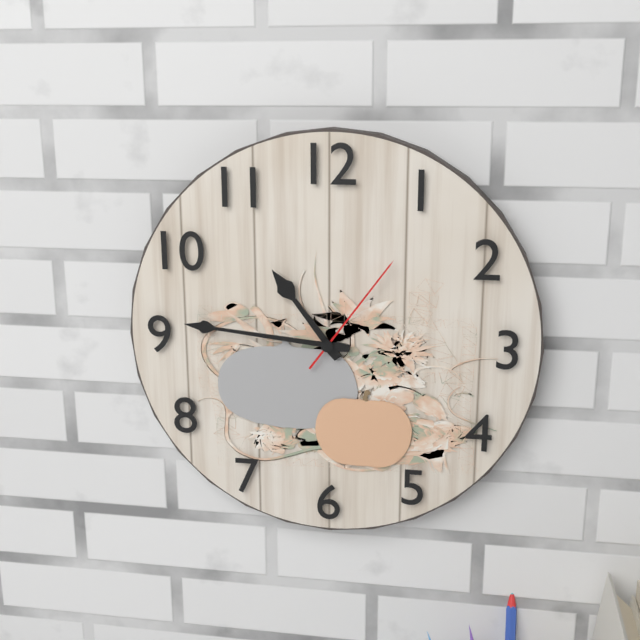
10:46:06
